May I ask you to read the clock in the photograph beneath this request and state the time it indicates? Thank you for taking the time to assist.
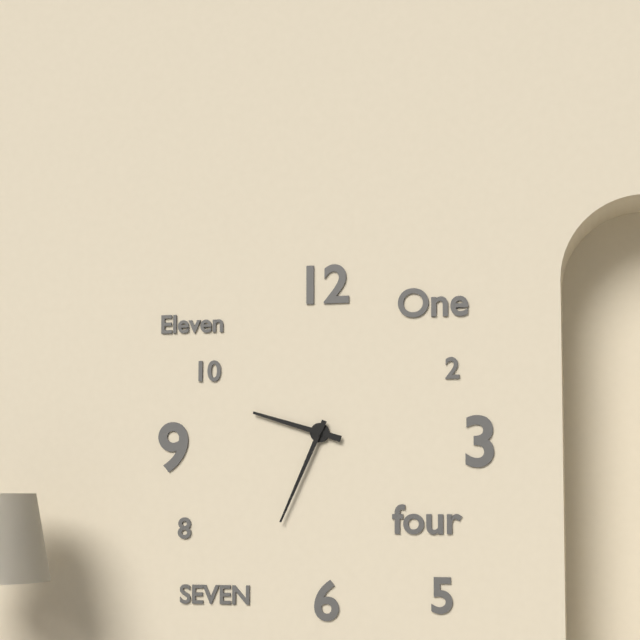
9:34
